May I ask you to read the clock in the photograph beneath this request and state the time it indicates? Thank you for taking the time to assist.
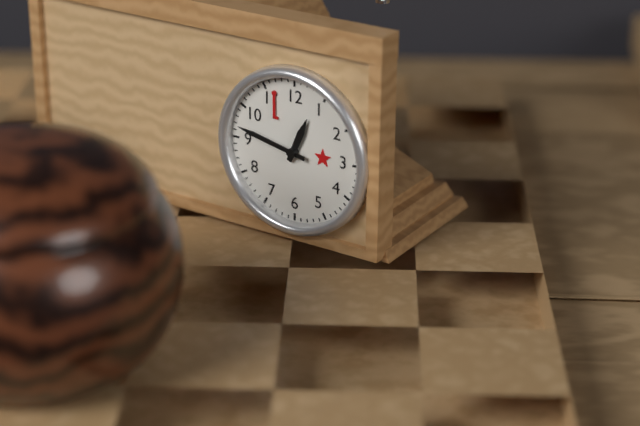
12:47
